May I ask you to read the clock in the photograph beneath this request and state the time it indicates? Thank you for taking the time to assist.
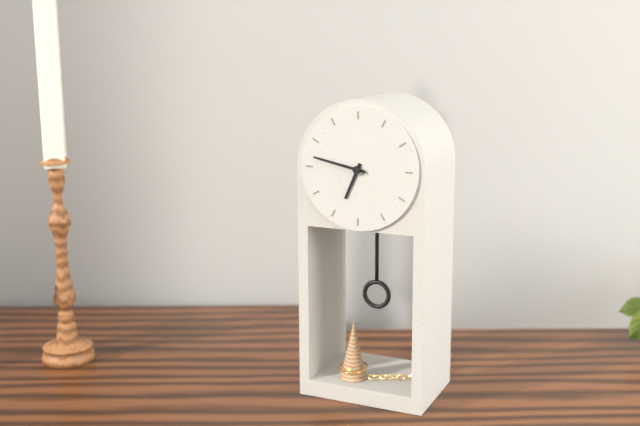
6:47
